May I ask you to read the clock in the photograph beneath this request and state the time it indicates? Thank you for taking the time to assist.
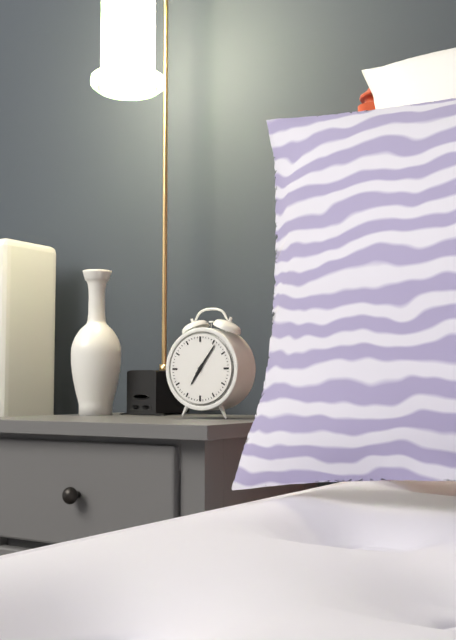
7:06
